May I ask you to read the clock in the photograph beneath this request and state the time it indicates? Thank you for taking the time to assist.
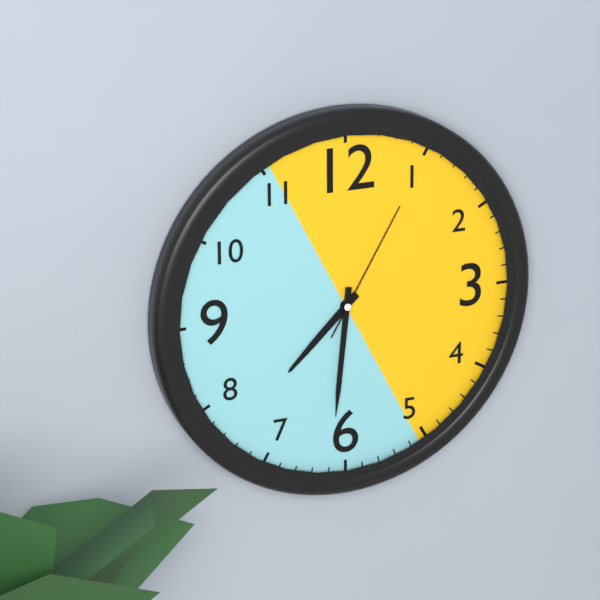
7:31:05
